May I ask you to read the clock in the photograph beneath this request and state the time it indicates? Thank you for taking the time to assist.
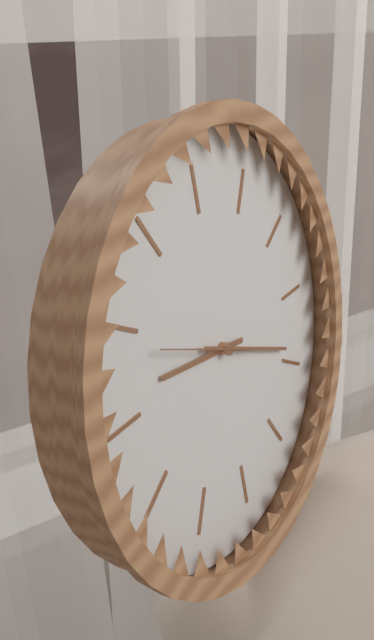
9:19:49
